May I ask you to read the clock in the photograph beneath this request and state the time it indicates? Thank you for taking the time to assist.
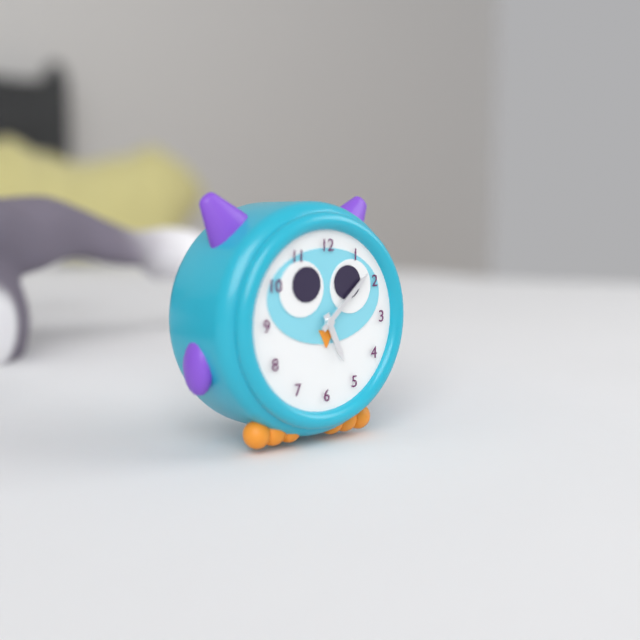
5:08
